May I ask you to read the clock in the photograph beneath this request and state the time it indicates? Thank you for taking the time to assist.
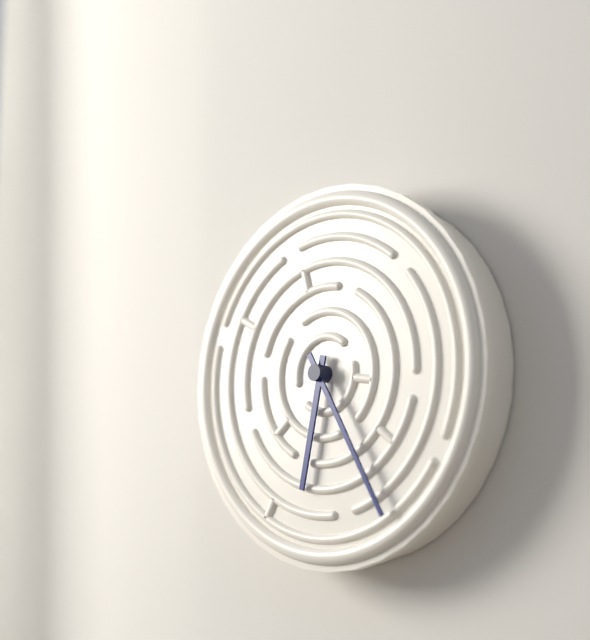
6:25
